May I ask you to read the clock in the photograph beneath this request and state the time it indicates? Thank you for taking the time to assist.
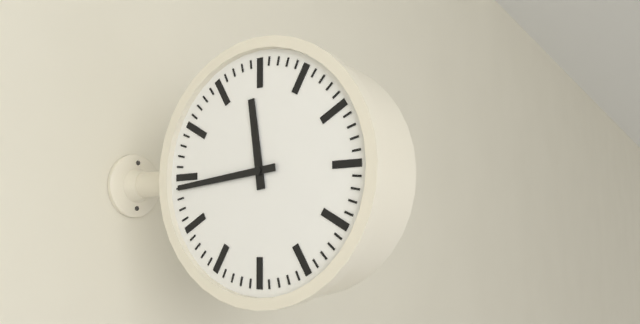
11:44
